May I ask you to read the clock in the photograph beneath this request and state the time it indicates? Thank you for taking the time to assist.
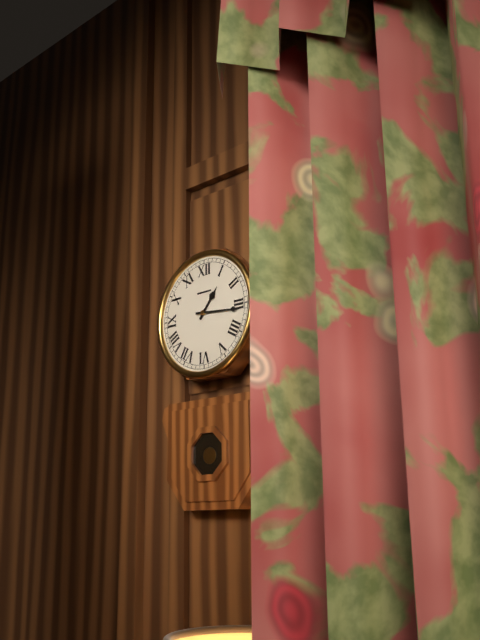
1:16
